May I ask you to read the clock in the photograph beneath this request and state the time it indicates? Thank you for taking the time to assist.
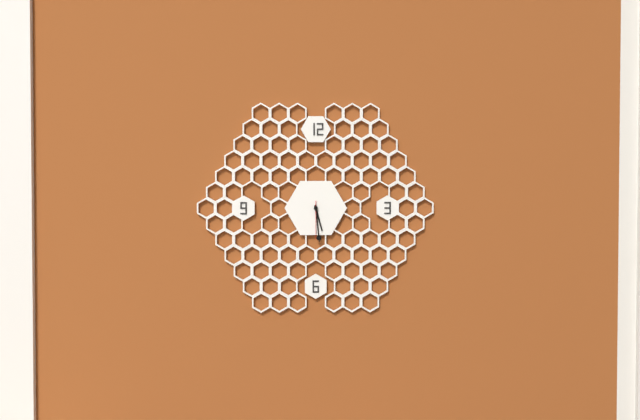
5:29
